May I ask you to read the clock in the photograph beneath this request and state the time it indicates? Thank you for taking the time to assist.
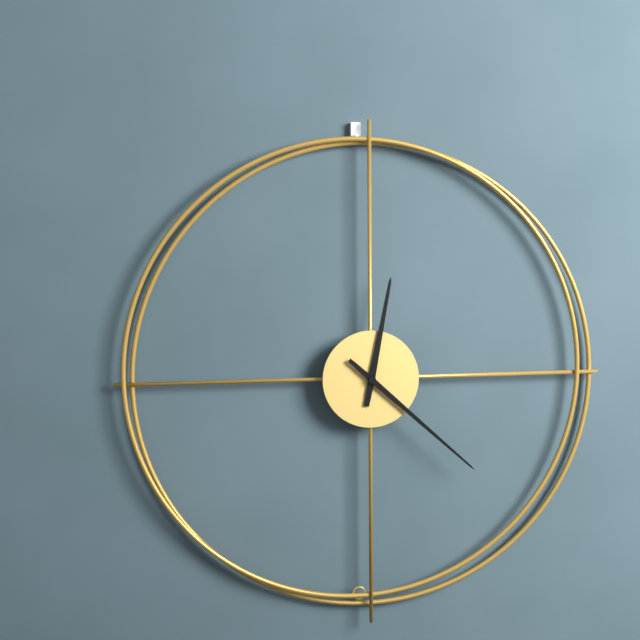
12:22
